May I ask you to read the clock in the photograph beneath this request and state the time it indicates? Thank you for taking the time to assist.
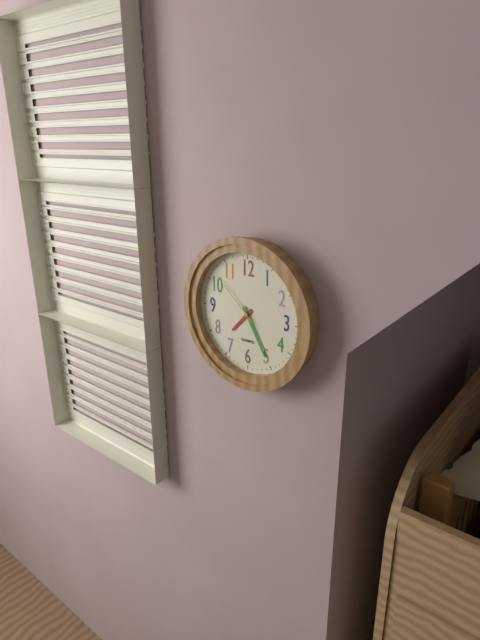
7:25:52
